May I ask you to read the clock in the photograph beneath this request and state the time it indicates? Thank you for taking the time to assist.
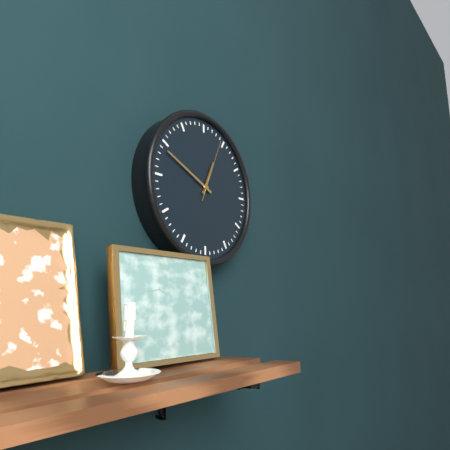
12:49:04
